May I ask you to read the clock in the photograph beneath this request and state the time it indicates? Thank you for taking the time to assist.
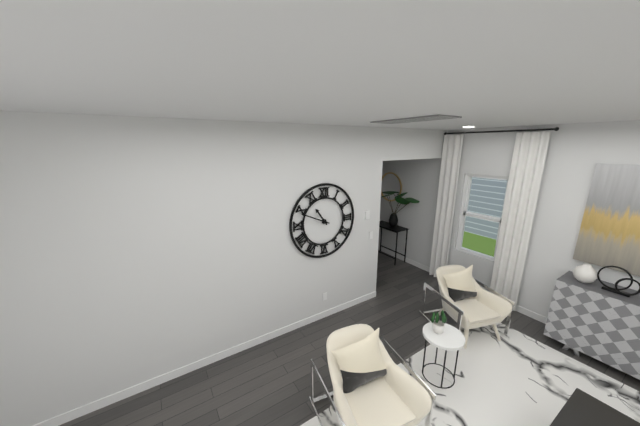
10:49
